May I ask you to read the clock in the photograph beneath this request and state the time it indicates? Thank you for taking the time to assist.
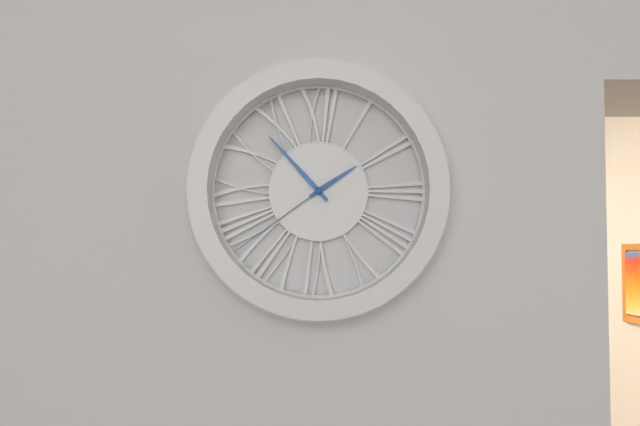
1:53:39
